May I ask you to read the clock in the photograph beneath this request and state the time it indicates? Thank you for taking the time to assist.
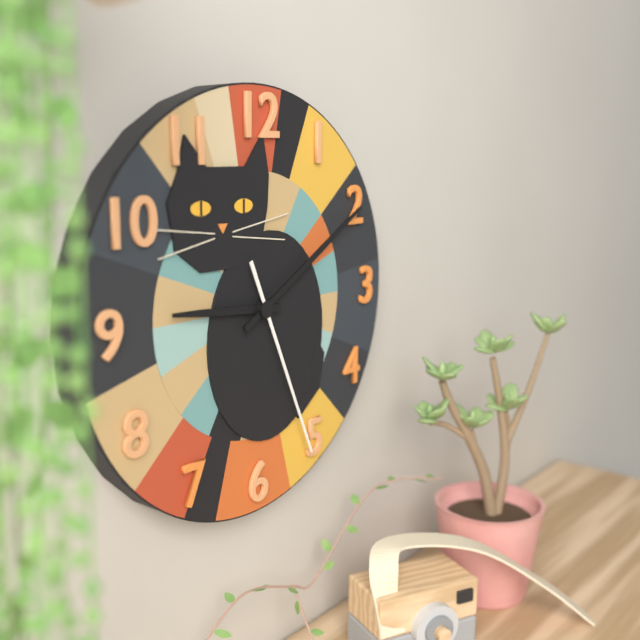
9:10:26
